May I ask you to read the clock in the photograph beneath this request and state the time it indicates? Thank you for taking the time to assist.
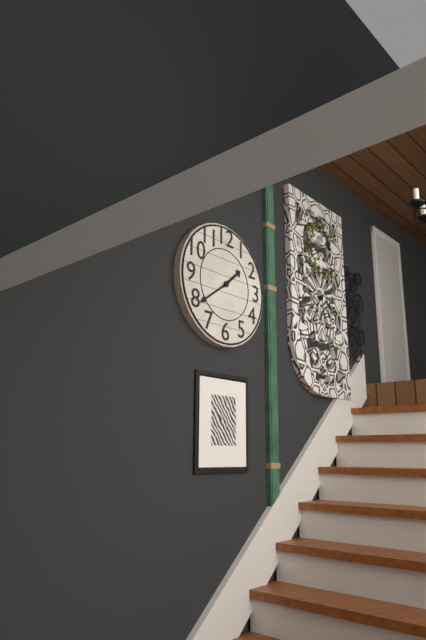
1:39
